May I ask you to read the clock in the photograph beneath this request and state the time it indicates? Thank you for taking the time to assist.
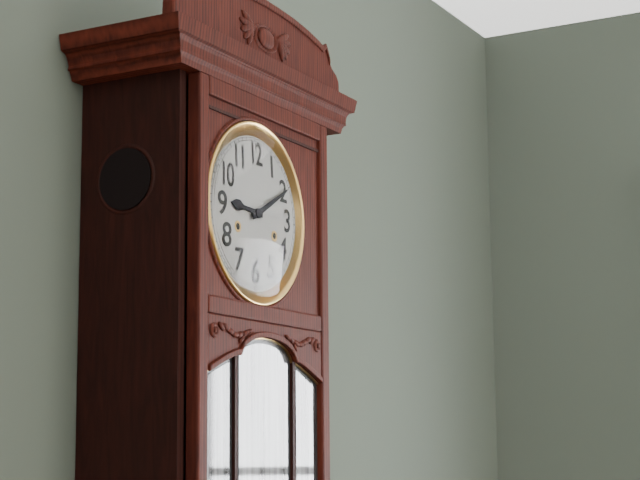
9:10
